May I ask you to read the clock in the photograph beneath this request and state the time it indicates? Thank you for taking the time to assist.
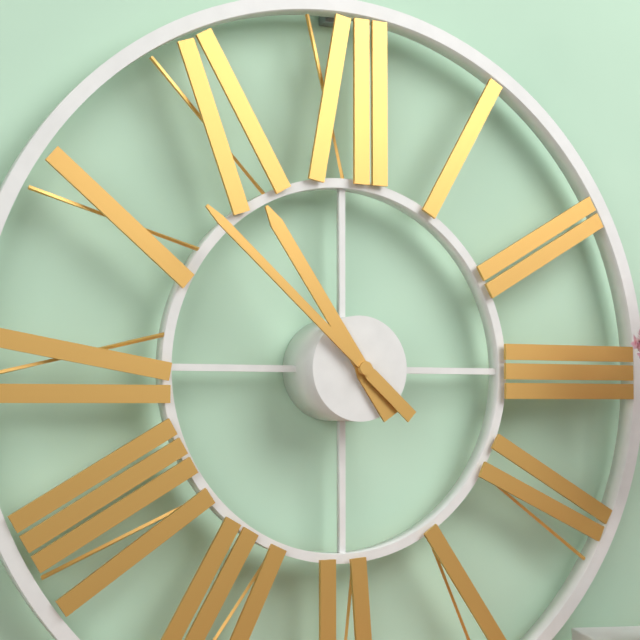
10:52
